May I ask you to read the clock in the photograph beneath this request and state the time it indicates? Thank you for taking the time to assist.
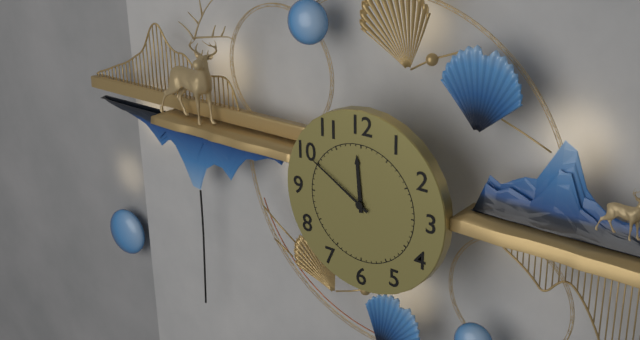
11:50
